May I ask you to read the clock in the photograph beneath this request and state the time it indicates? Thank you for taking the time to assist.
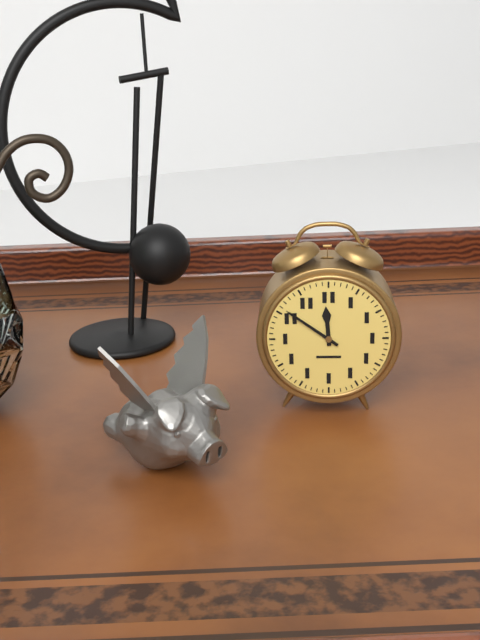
11:51
